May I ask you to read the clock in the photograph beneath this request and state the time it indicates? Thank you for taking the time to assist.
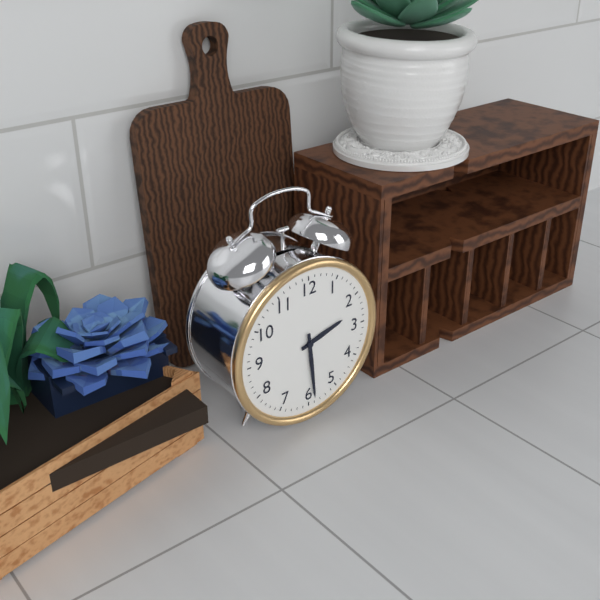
2:29
